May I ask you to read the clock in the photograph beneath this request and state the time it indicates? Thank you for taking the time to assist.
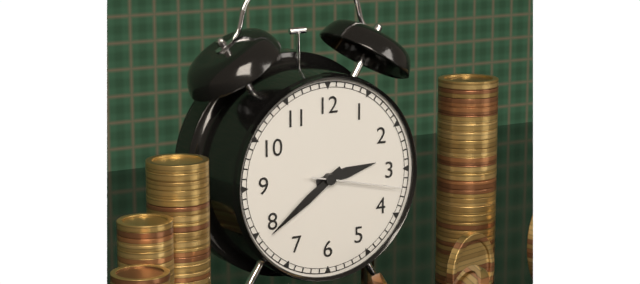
2:39:17
